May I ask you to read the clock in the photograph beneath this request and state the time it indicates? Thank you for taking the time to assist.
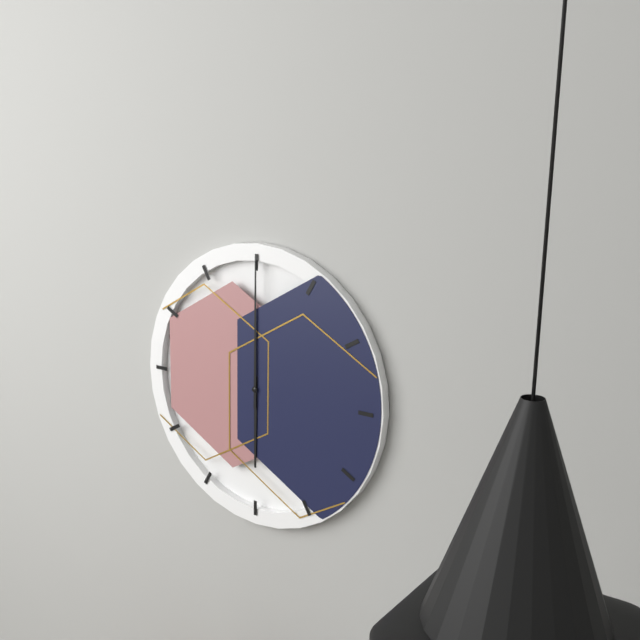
6:00
